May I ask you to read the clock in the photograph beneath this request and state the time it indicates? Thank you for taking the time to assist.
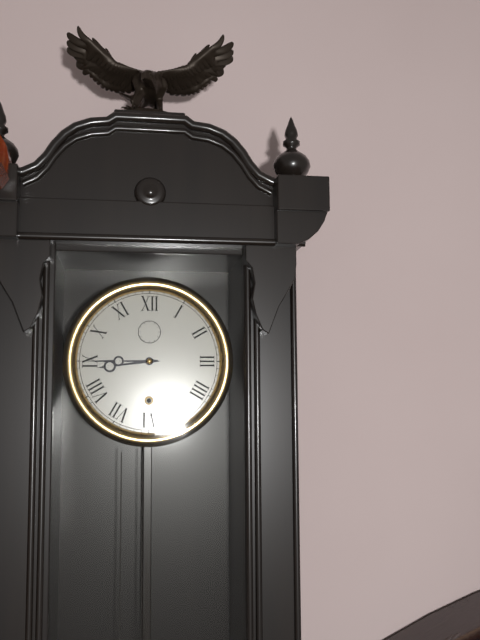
8:45
